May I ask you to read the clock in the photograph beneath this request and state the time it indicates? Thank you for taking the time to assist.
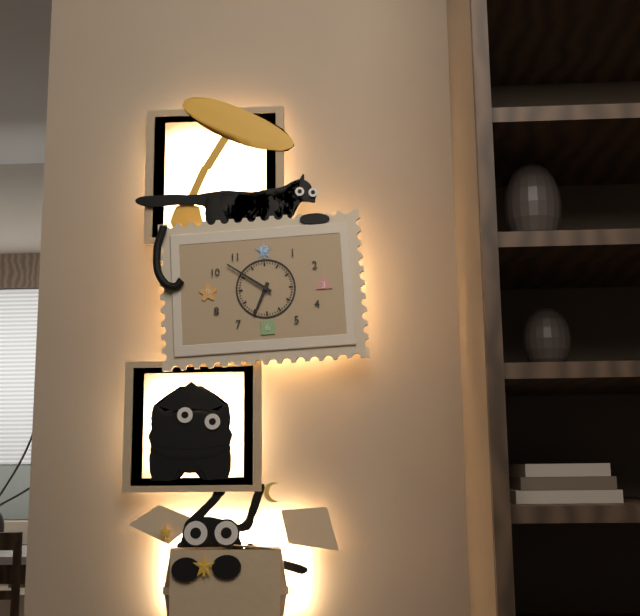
6:51
